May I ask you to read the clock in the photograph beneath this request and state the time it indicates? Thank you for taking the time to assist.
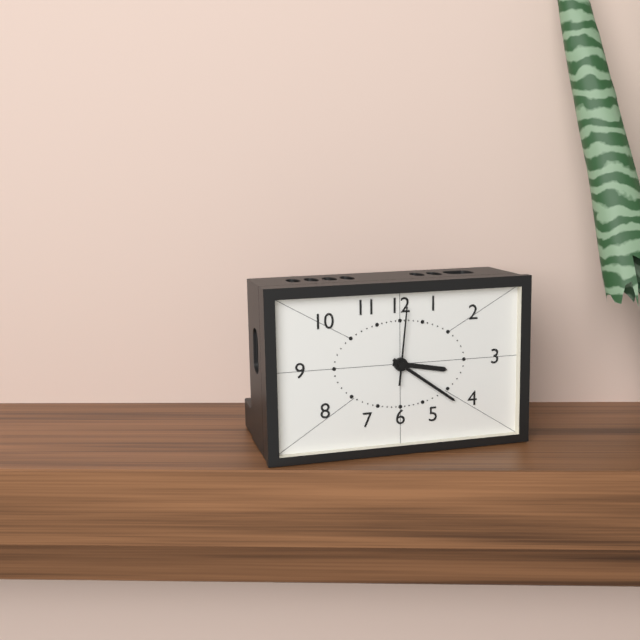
3:21:01
